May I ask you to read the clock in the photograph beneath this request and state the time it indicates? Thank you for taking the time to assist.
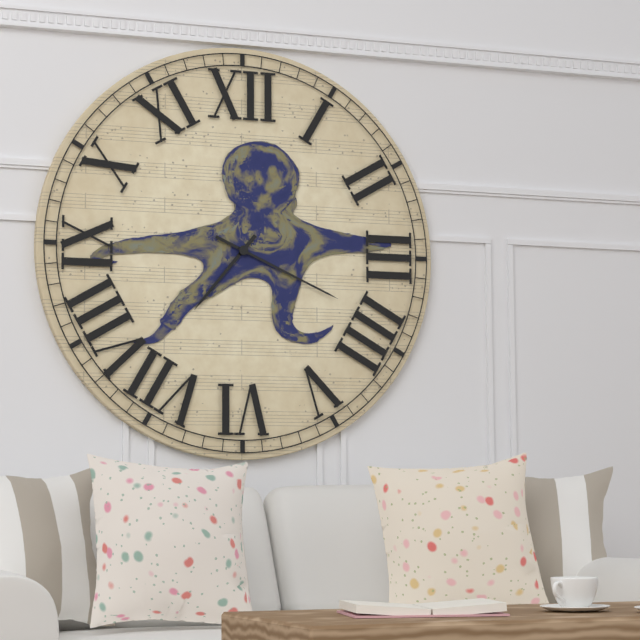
7:19
